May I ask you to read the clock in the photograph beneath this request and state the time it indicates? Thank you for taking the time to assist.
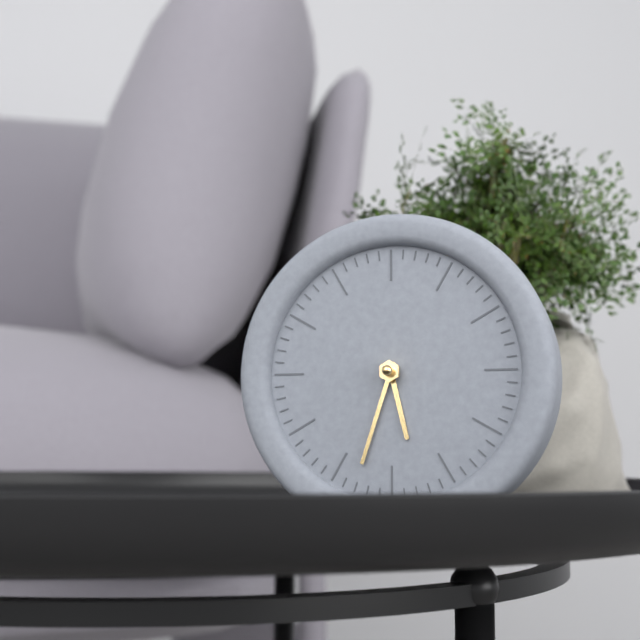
5:33
